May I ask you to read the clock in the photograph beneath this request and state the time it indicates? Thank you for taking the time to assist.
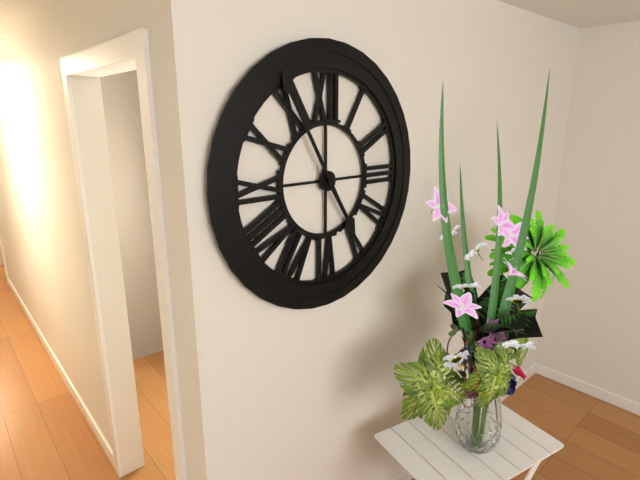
4:55
